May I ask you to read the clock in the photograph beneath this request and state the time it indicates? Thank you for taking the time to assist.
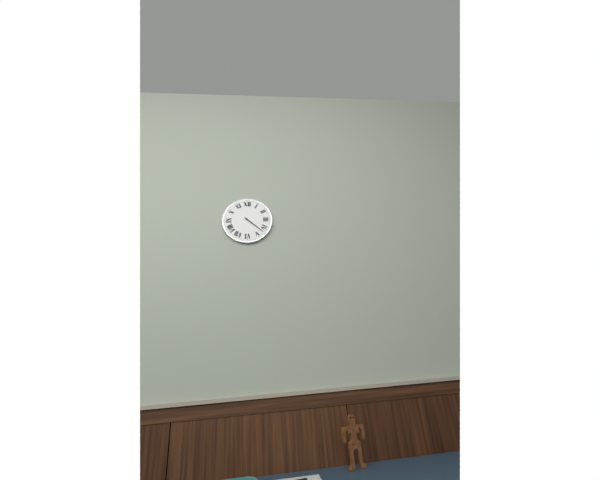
4:22
